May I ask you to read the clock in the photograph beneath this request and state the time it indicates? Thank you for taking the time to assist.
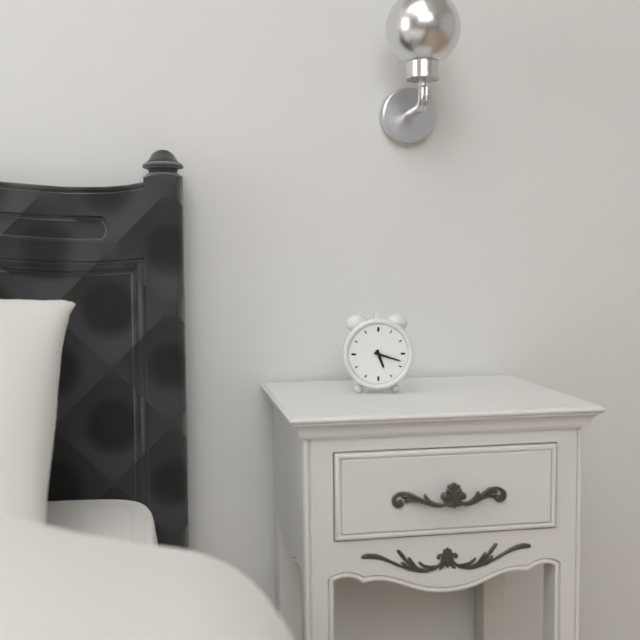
5:18
